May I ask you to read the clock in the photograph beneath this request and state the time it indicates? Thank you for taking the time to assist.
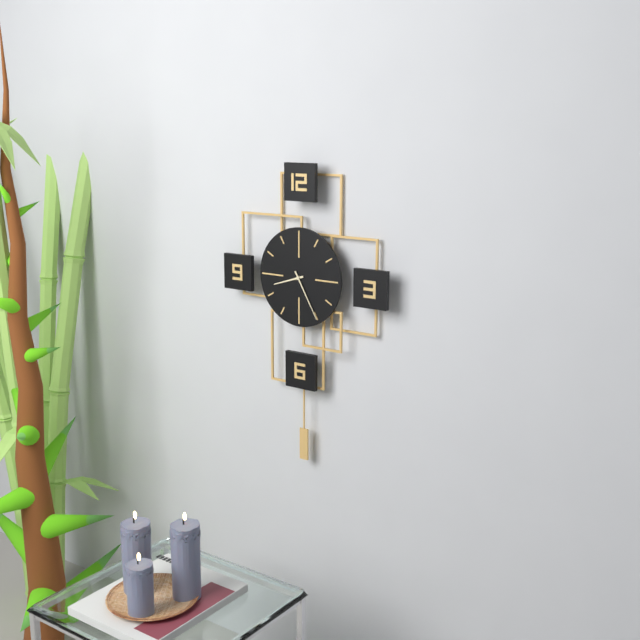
8:25
